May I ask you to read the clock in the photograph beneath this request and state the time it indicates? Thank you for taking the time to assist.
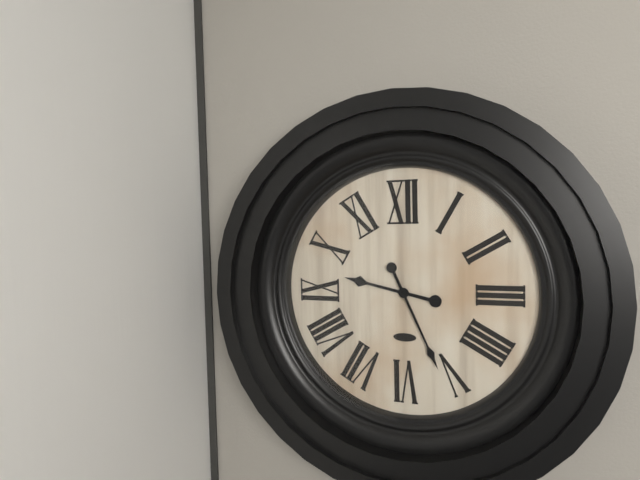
9:26
